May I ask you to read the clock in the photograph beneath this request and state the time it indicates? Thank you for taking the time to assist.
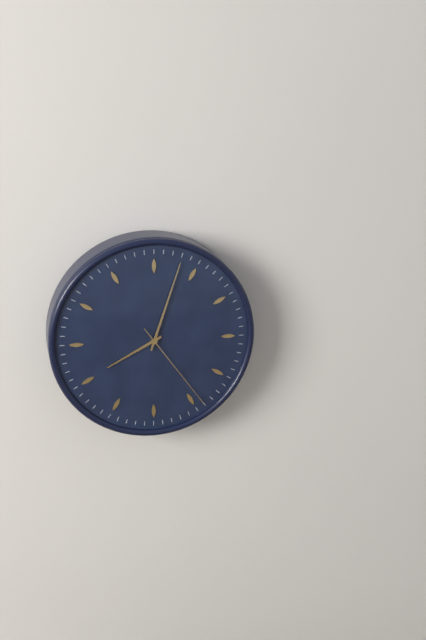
8:03:24
